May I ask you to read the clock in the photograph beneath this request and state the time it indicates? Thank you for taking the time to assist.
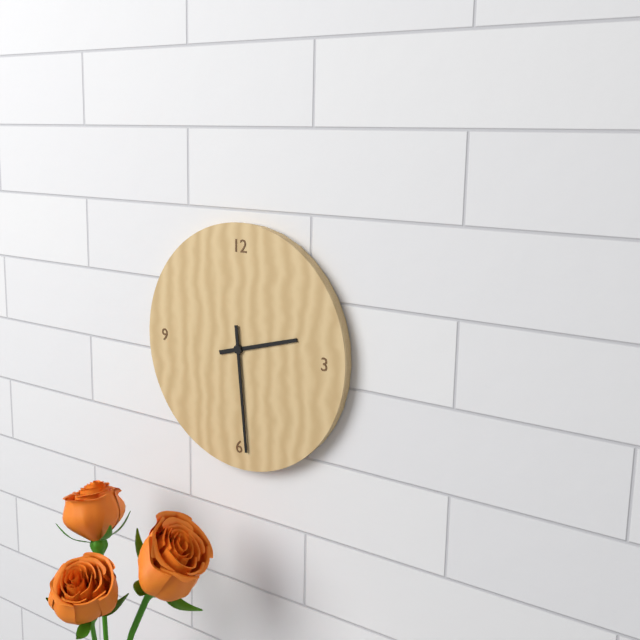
2:29
